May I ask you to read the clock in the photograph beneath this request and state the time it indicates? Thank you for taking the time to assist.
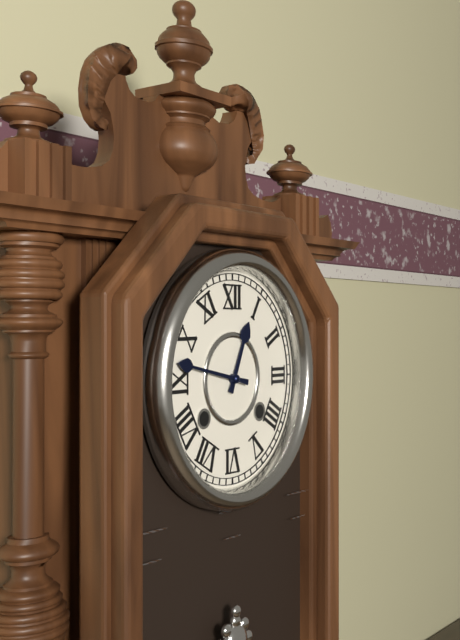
12:47
